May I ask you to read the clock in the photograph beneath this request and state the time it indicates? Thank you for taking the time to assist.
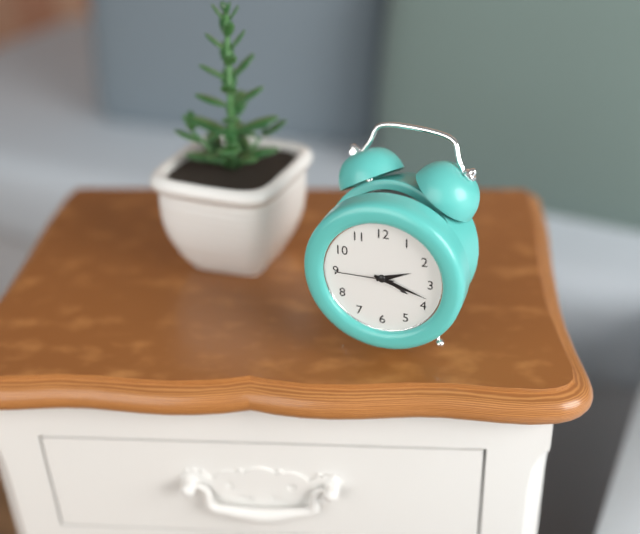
2:18:45
